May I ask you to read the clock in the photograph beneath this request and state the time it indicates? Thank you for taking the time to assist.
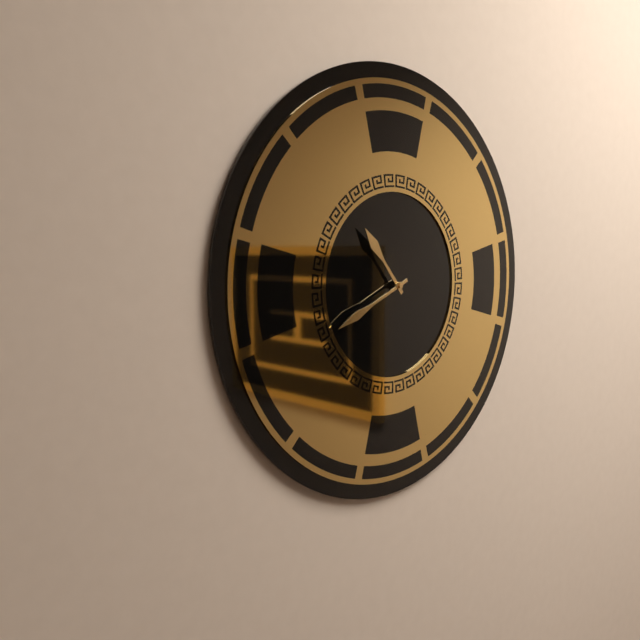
10:41
